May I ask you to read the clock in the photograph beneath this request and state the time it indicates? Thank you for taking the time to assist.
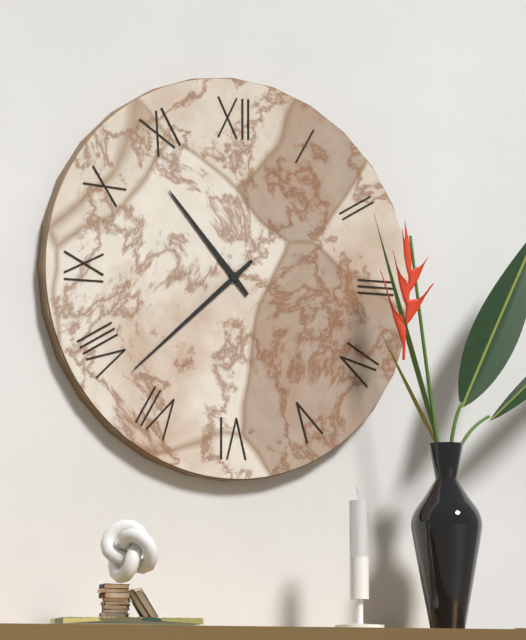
10:38
